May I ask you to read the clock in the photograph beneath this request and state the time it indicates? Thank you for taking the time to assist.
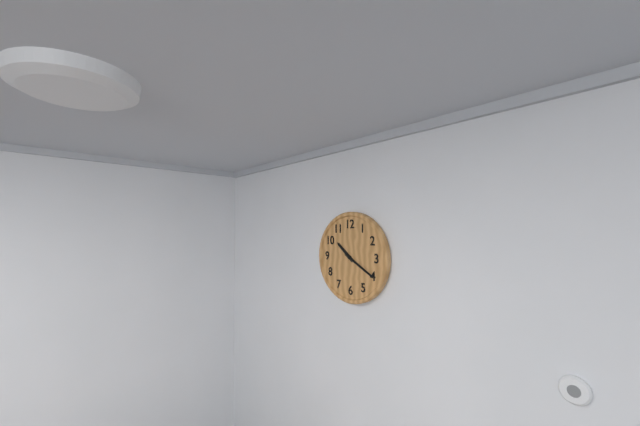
10:20
